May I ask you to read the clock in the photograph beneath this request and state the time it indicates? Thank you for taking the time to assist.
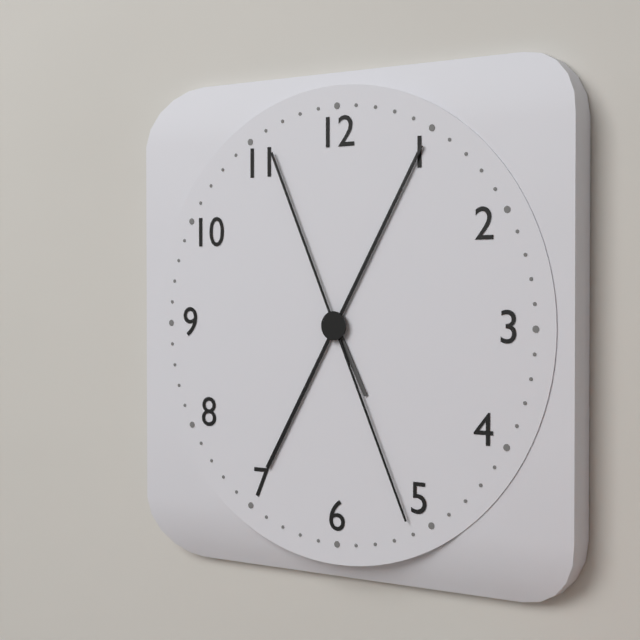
5:05:26
